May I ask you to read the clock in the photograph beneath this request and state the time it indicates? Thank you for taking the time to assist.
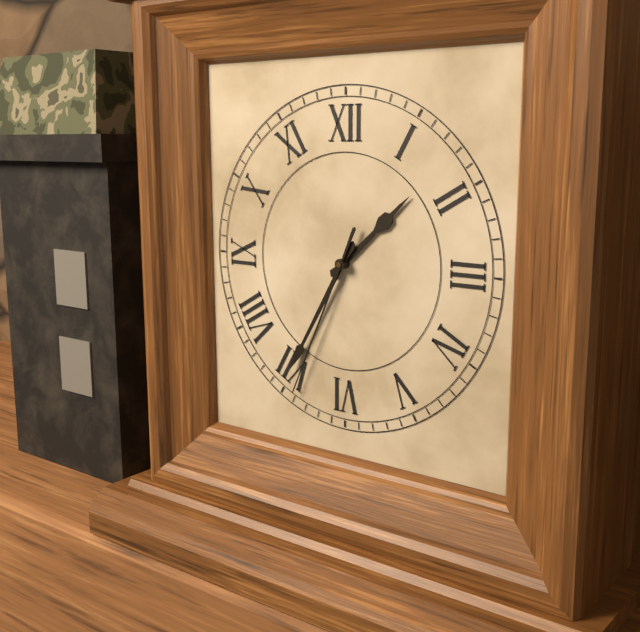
1:35:34
